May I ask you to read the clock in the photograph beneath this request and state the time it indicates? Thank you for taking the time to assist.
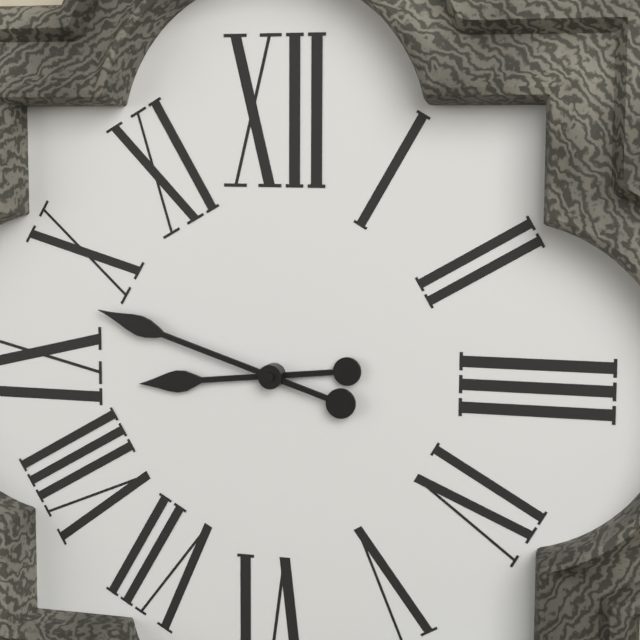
8:48
